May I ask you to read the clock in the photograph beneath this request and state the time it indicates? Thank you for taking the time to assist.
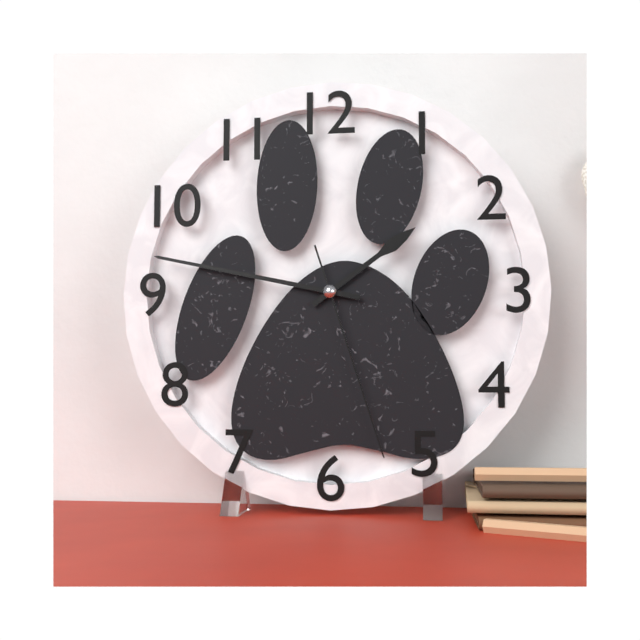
1:47:27
